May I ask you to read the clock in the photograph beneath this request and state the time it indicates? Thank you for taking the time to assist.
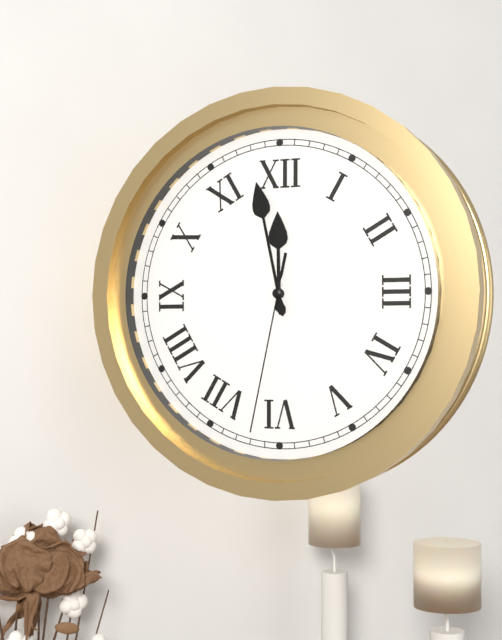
11:58:32
